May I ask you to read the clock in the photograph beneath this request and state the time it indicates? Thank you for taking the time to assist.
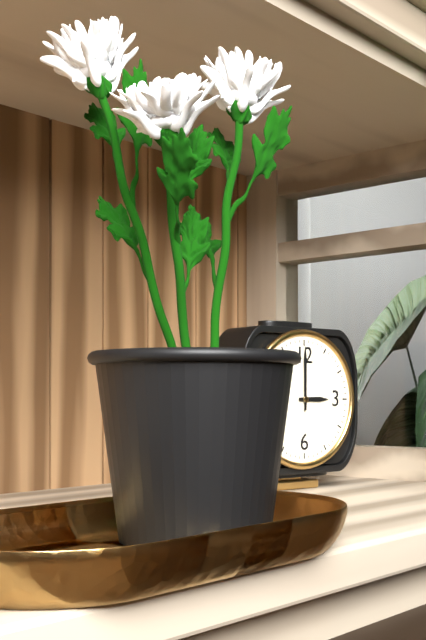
3:00
